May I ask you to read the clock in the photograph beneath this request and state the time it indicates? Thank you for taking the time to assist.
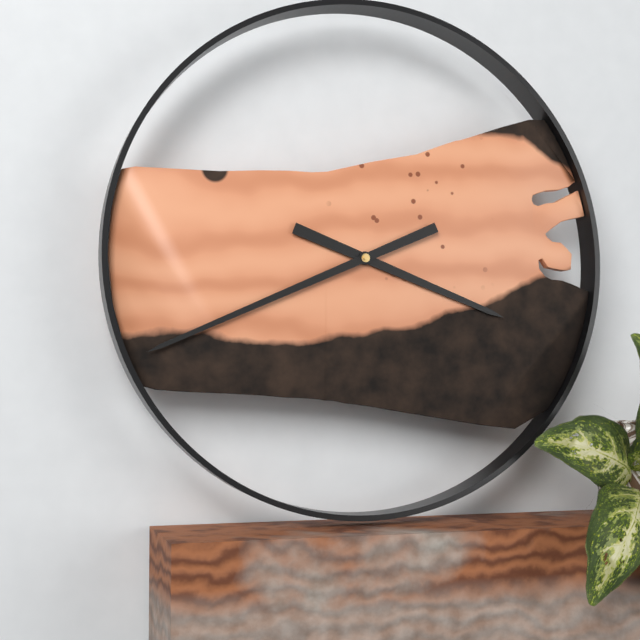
3:41
